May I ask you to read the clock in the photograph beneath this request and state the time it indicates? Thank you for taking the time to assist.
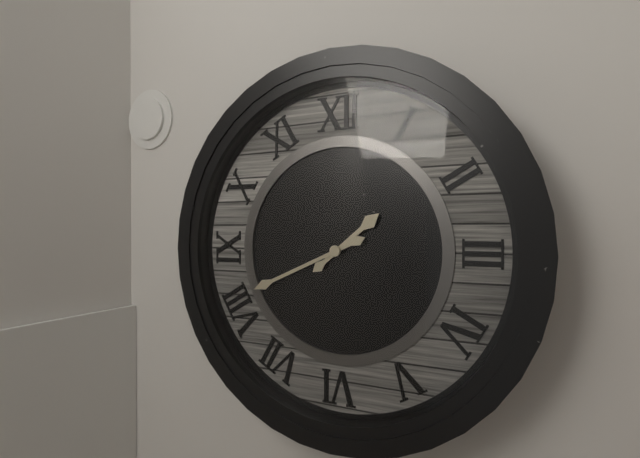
1:41
